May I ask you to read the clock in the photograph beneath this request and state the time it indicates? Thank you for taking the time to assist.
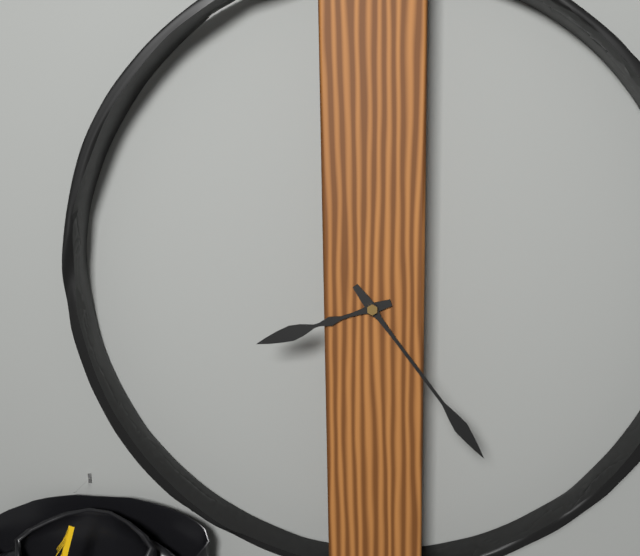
8:24
